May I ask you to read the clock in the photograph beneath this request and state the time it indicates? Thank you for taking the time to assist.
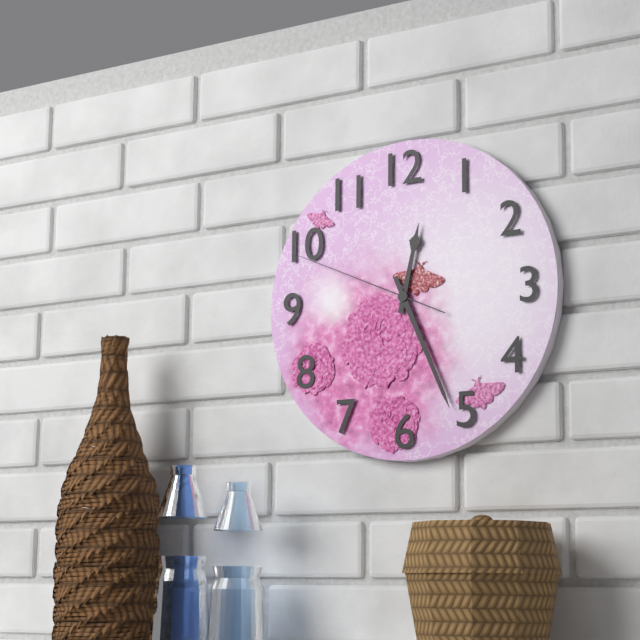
12:26:49
